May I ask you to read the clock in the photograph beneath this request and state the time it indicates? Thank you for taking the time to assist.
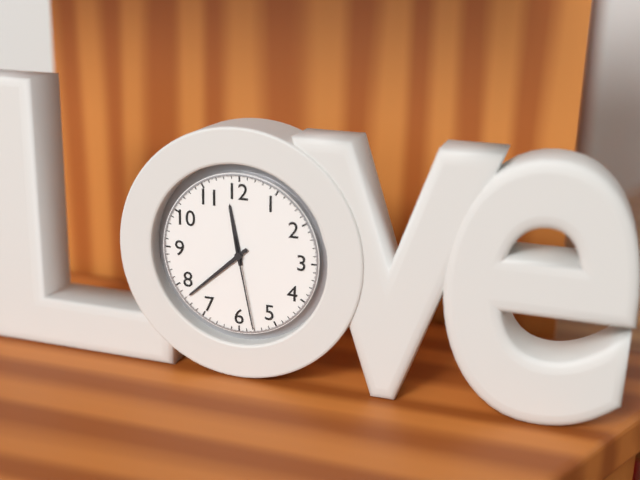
11:38:28
